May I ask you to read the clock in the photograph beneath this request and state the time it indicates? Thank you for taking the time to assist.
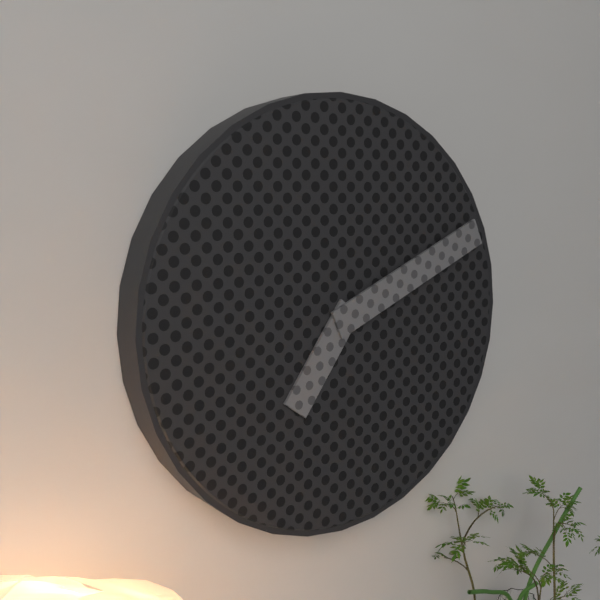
7:11
